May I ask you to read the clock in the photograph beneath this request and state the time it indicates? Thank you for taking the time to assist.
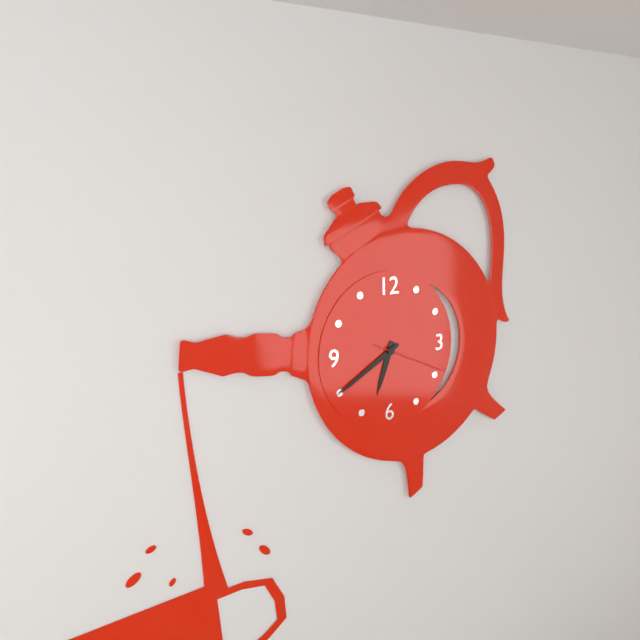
6:40:19
